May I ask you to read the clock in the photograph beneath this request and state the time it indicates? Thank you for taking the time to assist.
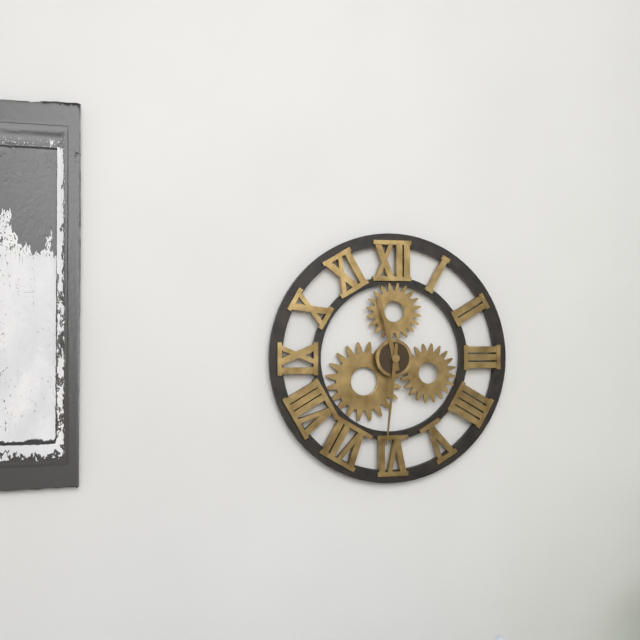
11:31
